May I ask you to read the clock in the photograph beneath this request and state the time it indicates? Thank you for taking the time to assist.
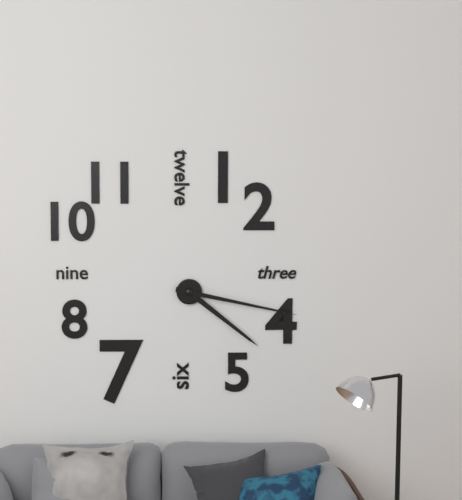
4:17
